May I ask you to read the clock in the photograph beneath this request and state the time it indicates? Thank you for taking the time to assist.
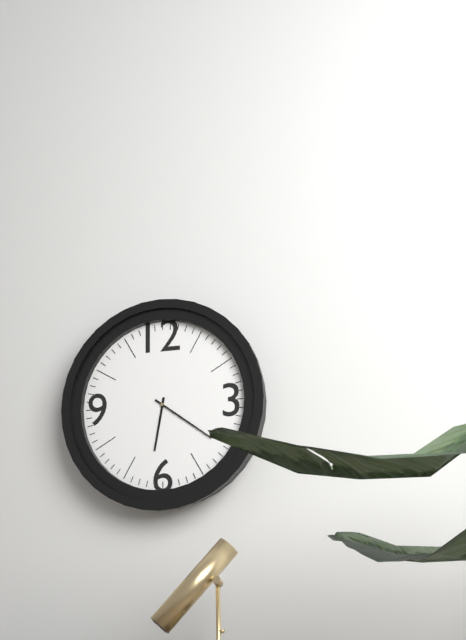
6:21
